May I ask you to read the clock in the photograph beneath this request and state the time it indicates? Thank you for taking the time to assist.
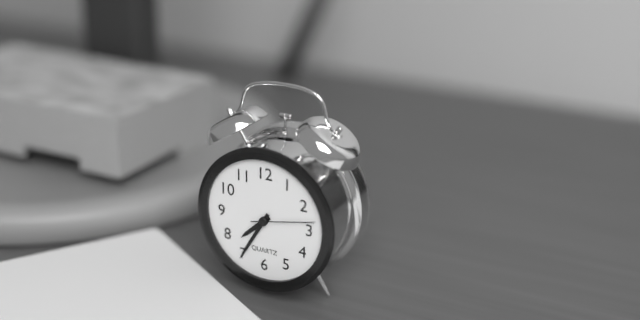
7:35:13
